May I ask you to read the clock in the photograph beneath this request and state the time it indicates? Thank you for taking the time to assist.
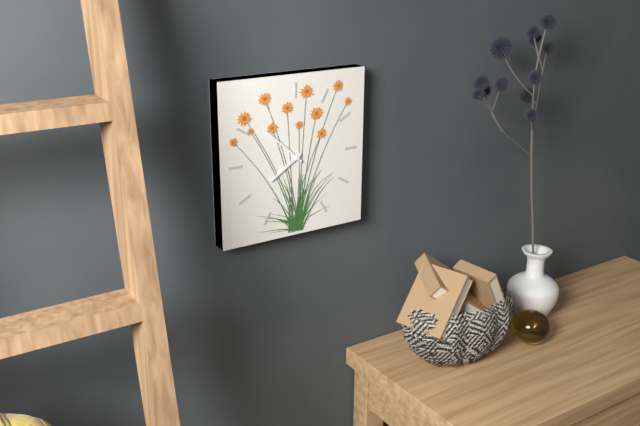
7:52
